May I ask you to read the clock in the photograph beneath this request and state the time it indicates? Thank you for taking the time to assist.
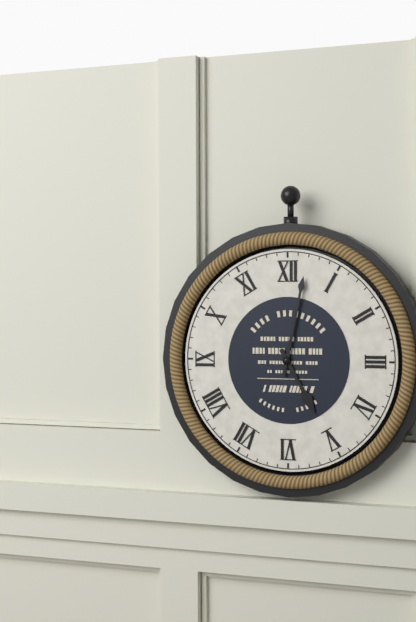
5:02
